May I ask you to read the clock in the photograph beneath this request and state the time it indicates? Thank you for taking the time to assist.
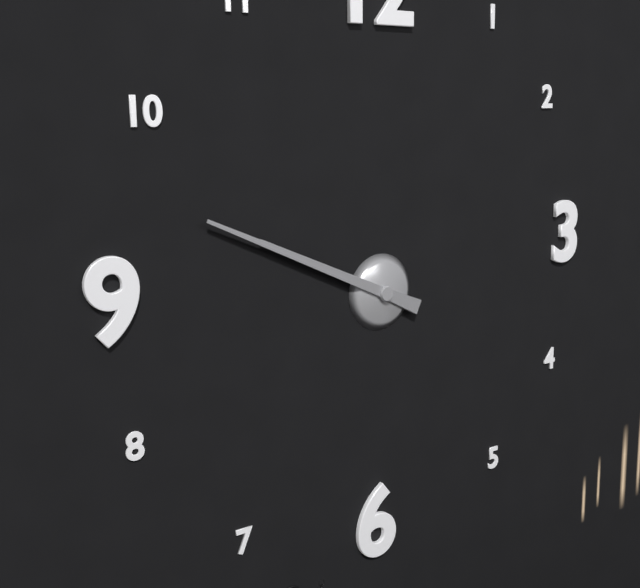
9:49
